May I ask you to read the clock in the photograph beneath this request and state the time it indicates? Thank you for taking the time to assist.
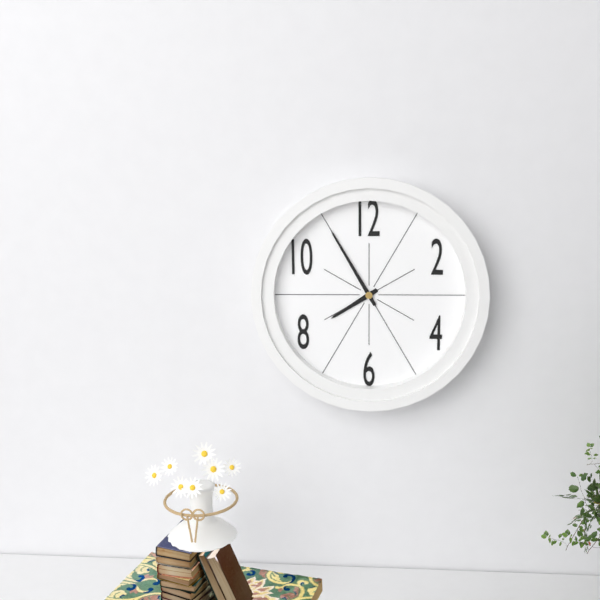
7:55
